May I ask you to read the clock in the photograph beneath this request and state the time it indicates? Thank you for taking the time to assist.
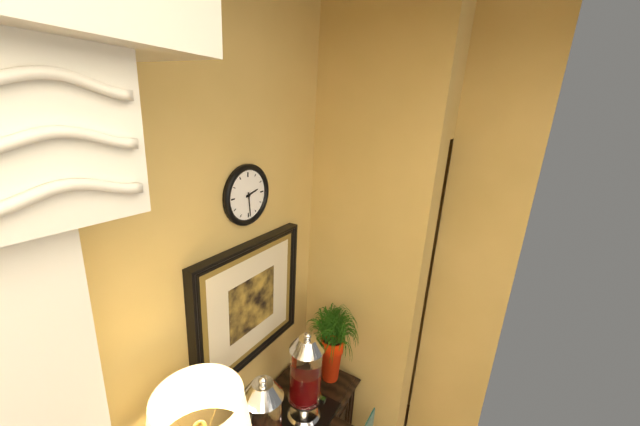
2:29
